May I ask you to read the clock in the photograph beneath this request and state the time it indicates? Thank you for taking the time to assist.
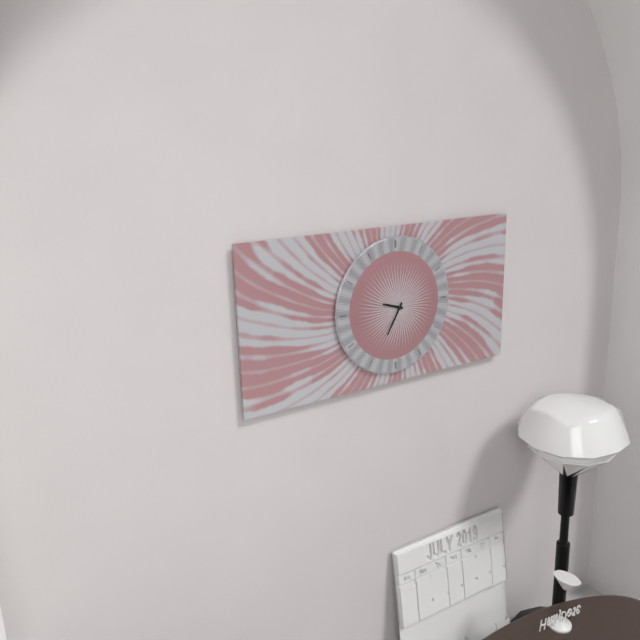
9:35
